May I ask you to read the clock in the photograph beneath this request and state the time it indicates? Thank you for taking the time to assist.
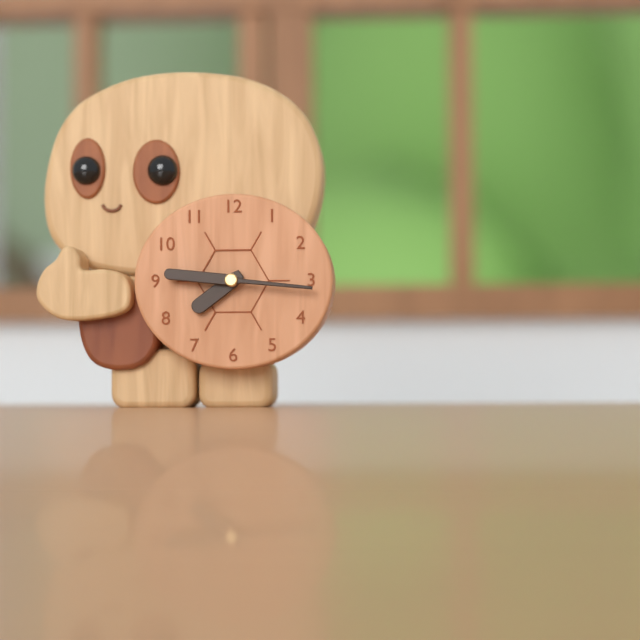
7:46
